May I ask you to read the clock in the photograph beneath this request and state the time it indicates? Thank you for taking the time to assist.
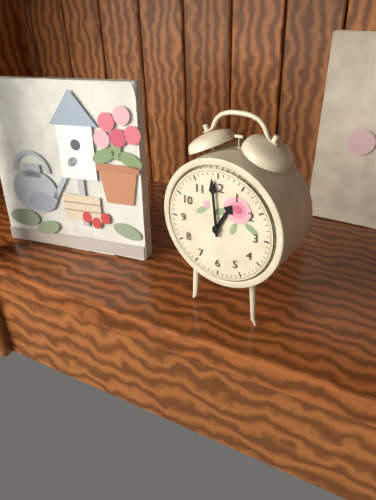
12:59
